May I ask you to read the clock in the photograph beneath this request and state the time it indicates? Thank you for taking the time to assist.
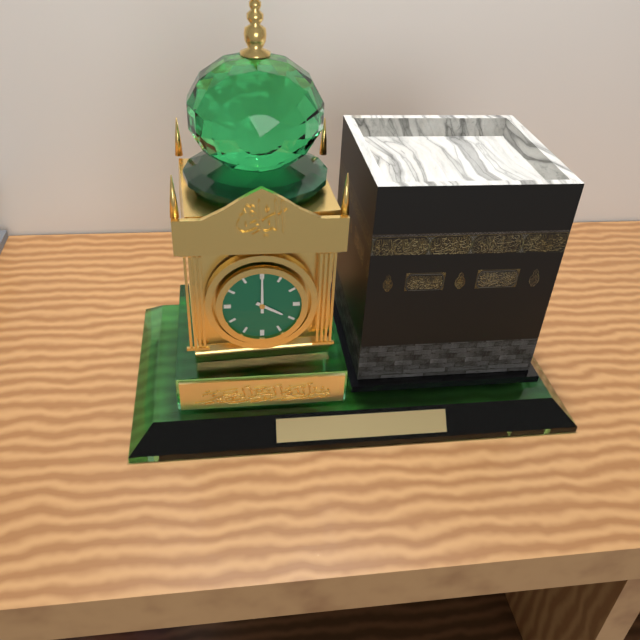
4:00
